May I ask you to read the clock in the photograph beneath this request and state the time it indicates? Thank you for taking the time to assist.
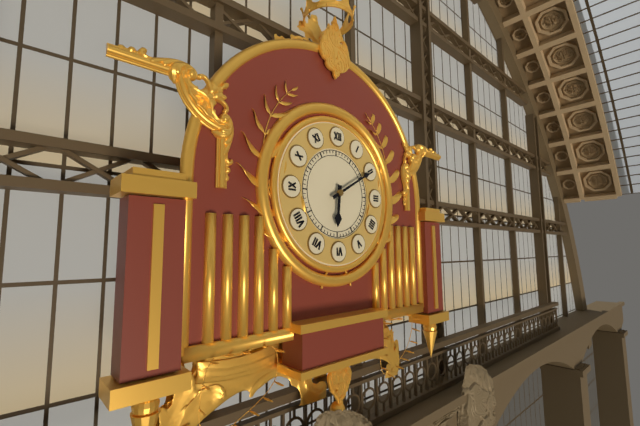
6:10
